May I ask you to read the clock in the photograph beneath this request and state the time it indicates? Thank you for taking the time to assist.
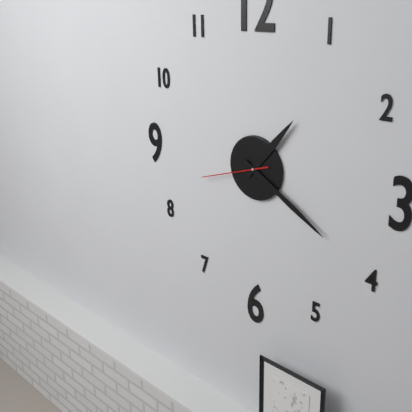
1:20:42
